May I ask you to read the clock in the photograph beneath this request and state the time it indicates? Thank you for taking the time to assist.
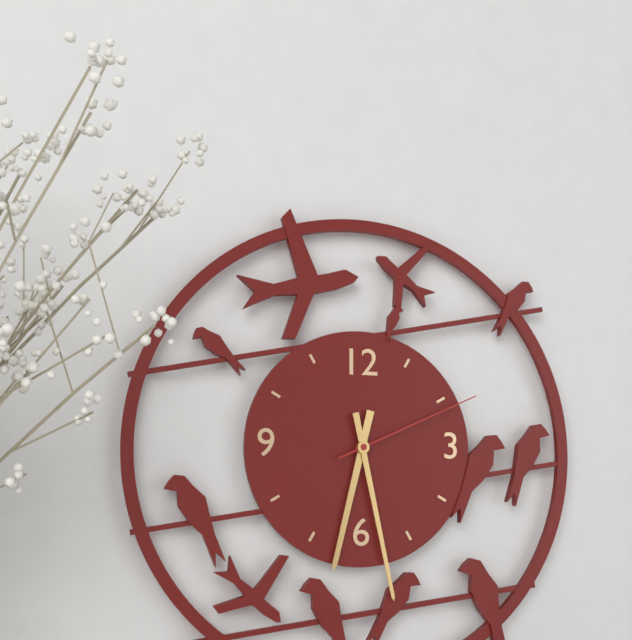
6:28:11
